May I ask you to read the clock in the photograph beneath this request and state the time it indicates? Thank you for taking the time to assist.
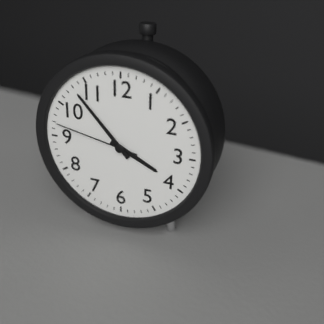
3:53:47
